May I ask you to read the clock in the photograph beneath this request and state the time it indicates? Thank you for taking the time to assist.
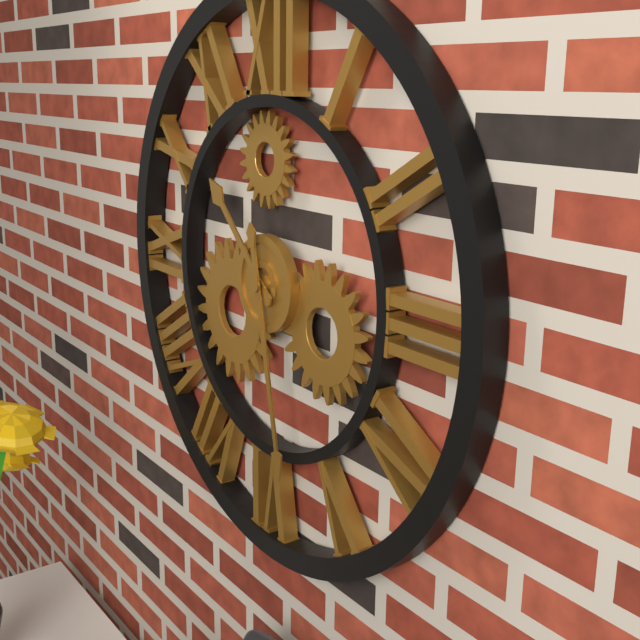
10:28
